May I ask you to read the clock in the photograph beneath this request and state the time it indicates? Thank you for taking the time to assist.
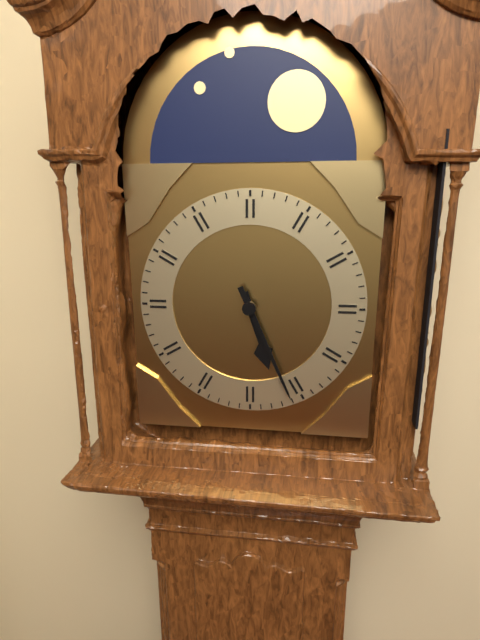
5:26
